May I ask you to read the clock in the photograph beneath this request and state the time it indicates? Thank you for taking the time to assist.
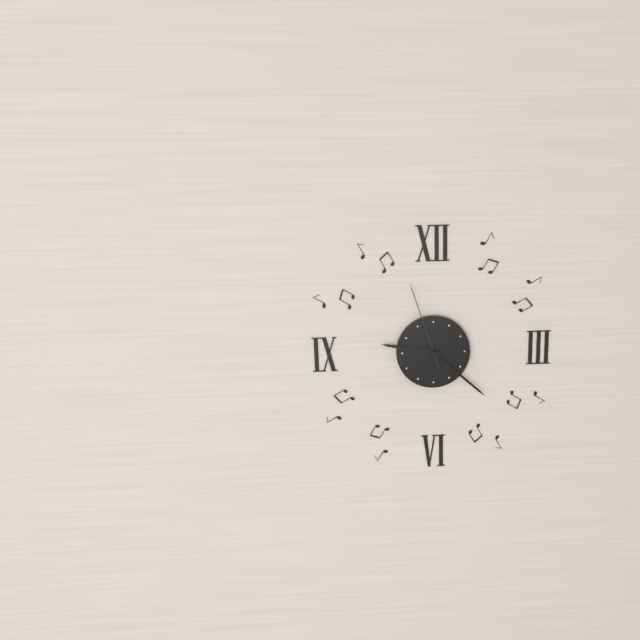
9:22:57
